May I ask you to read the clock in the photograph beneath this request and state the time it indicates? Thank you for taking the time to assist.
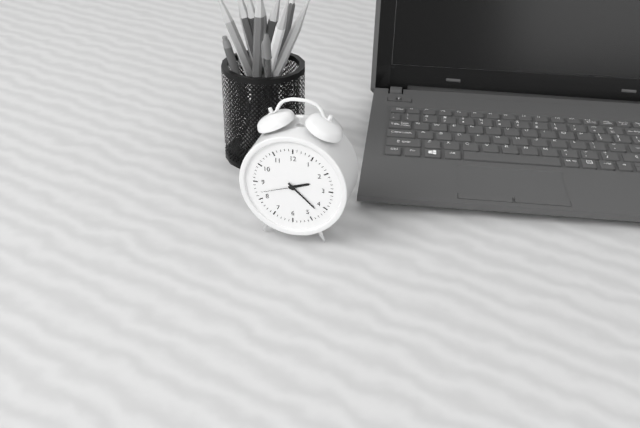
2:22
